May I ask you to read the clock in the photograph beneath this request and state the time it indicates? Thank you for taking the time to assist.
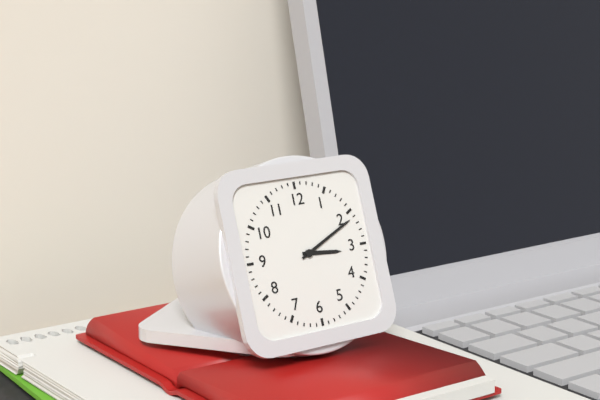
3:11
